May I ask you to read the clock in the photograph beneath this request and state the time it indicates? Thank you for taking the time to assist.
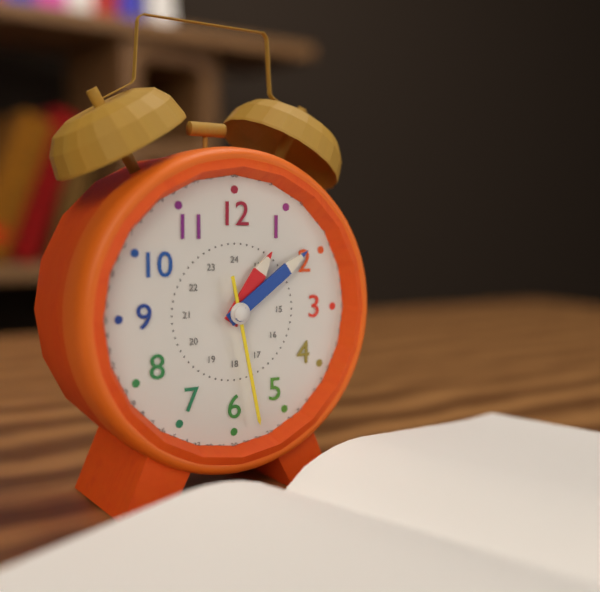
1:09:28
